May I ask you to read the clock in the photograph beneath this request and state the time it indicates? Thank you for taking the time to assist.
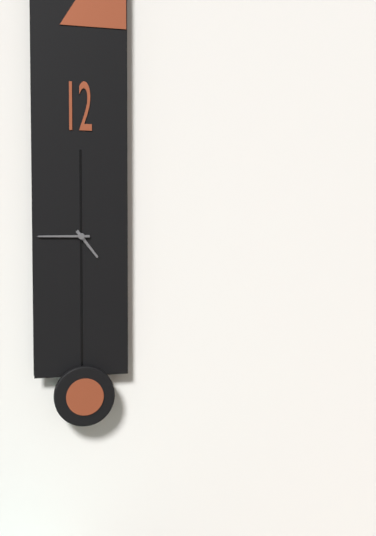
4:45
